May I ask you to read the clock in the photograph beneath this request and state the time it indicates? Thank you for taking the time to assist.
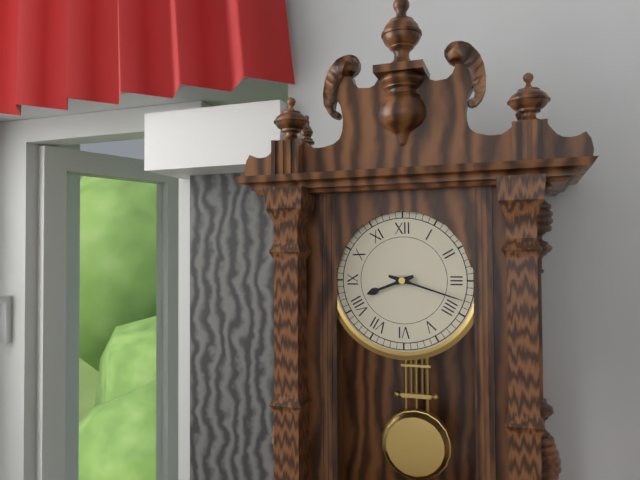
8:18
